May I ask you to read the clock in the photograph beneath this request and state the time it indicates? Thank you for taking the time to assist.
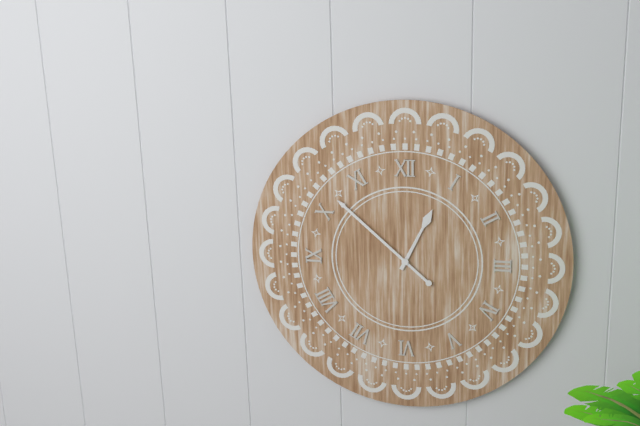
12:52
